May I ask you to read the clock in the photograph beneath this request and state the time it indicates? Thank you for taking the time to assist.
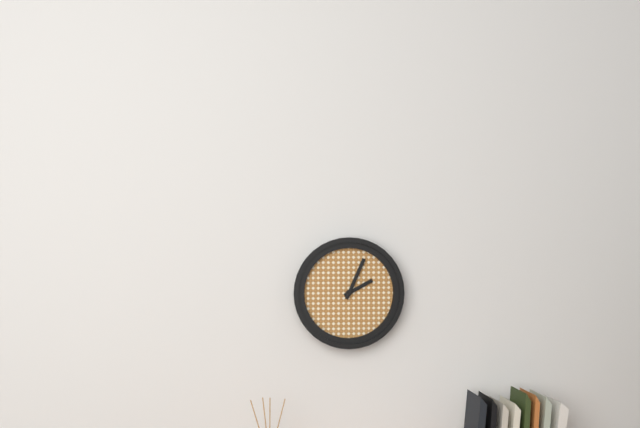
2:04
